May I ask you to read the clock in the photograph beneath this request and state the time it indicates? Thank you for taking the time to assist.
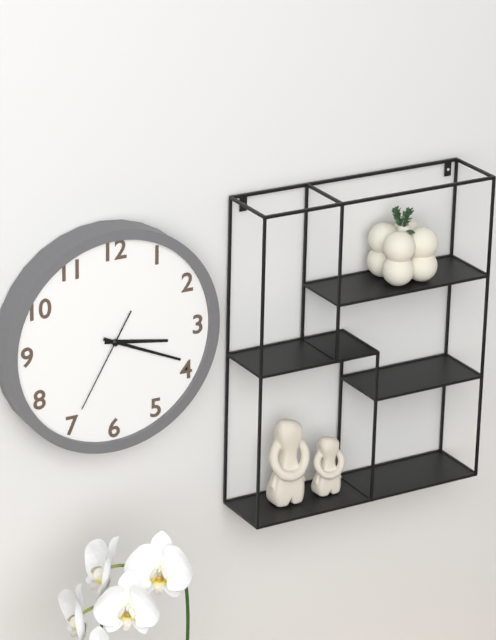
3:19:35
